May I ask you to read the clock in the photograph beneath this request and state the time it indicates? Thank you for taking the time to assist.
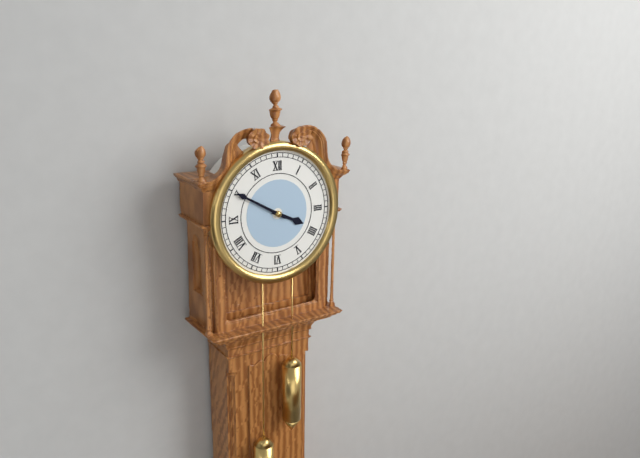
3:50
